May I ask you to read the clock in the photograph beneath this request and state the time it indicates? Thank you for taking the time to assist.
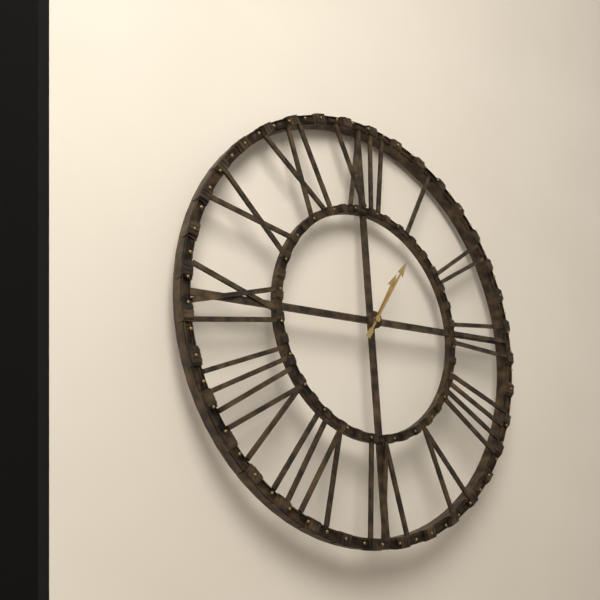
1:06
